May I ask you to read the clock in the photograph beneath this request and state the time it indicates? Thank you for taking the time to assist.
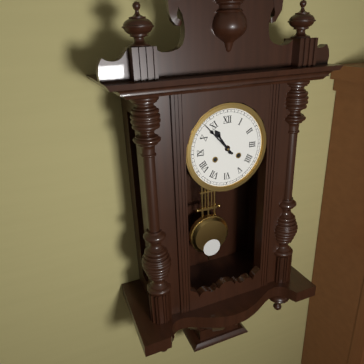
10:53
